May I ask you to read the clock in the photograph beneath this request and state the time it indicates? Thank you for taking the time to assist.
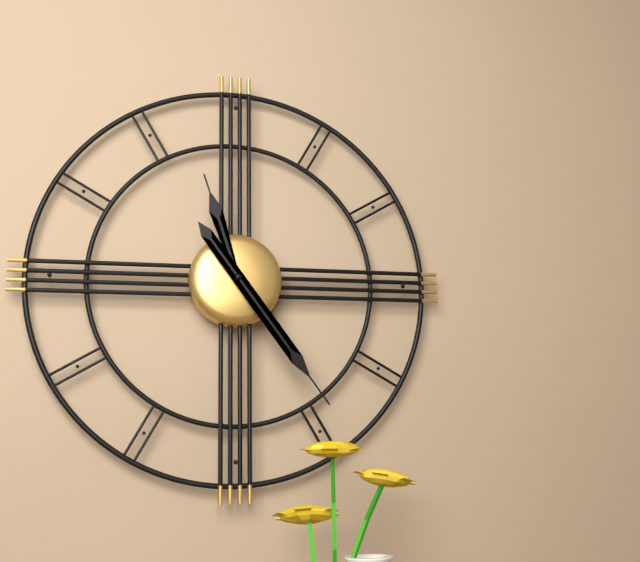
11:24
